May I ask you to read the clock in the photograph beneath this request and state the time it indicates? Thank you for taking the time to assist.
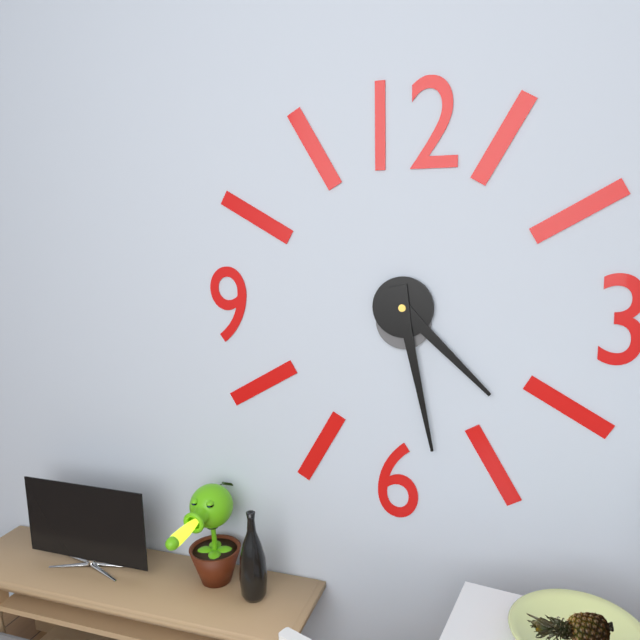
4:28
